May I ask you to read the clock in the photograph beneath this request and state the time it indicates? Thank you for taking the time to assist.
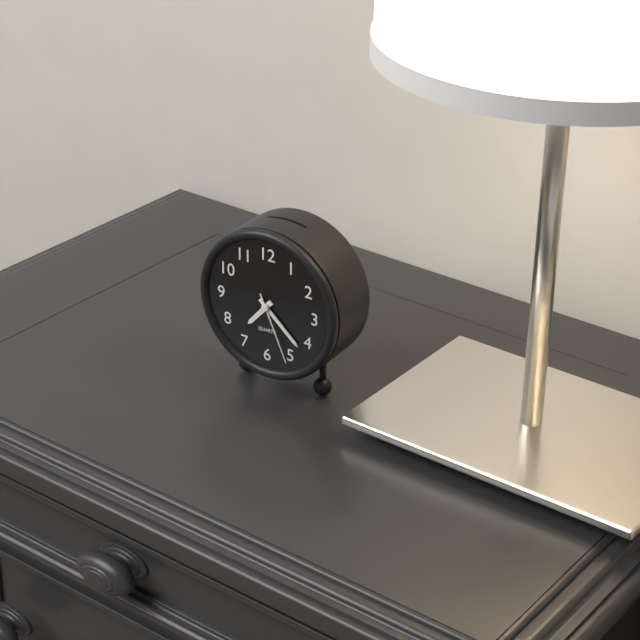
7:22:26
